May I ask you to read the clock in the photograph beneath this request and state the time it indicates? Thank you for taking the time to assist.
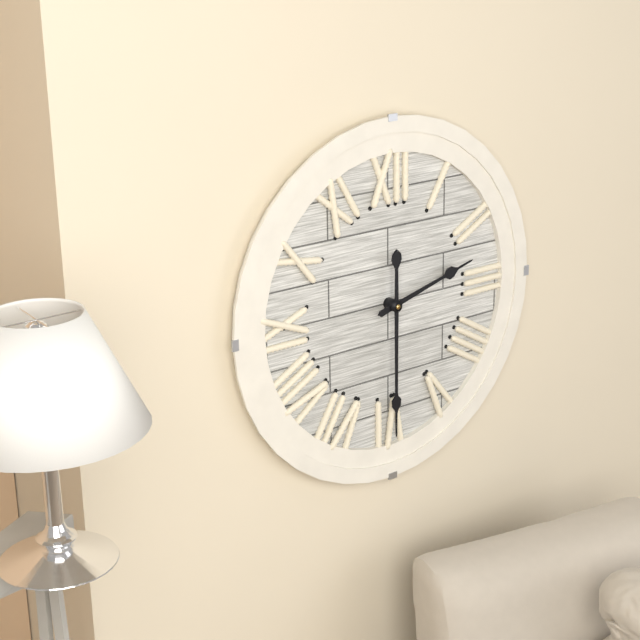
2:30
